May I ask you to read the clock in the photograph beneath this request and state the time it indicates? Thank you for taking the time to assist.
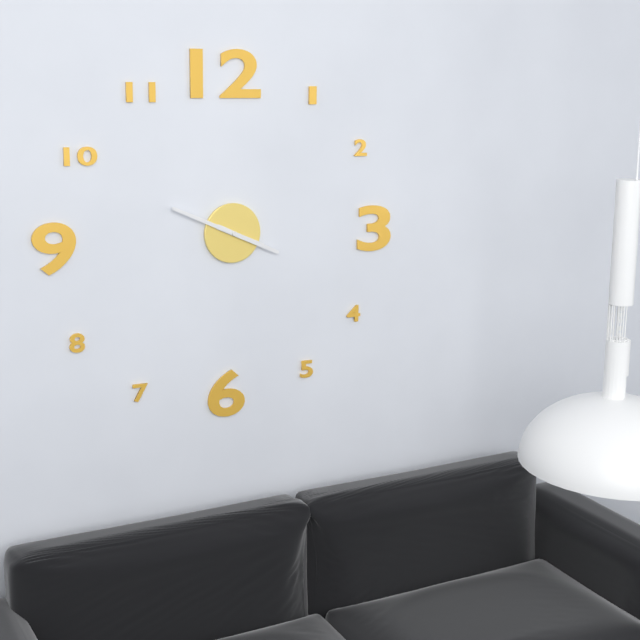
3:49
